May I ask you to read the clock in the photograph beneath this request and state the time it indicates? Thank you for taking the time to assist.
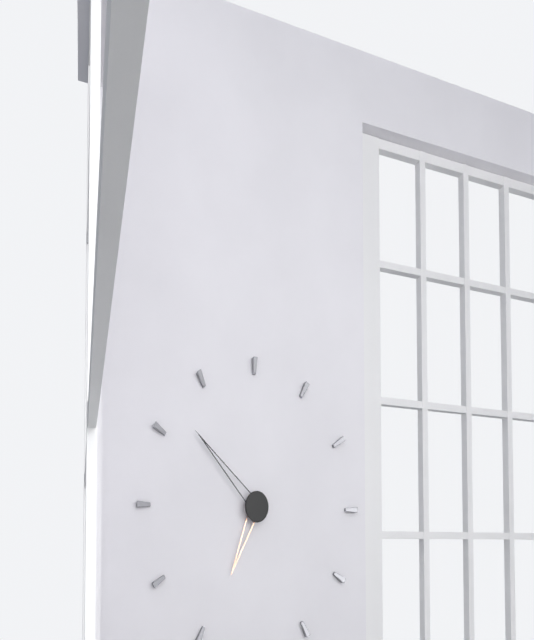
6:52
